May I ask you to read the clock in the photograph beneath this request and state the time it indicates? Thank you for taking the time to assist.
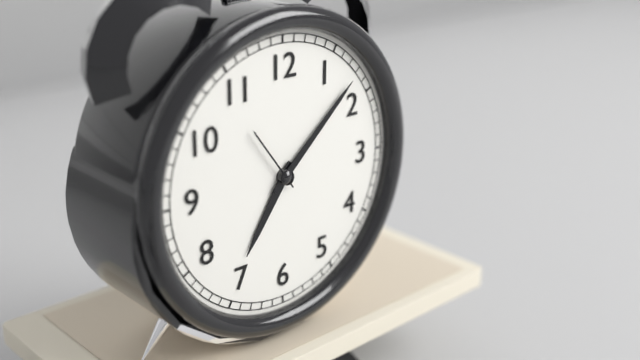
7:08:54
